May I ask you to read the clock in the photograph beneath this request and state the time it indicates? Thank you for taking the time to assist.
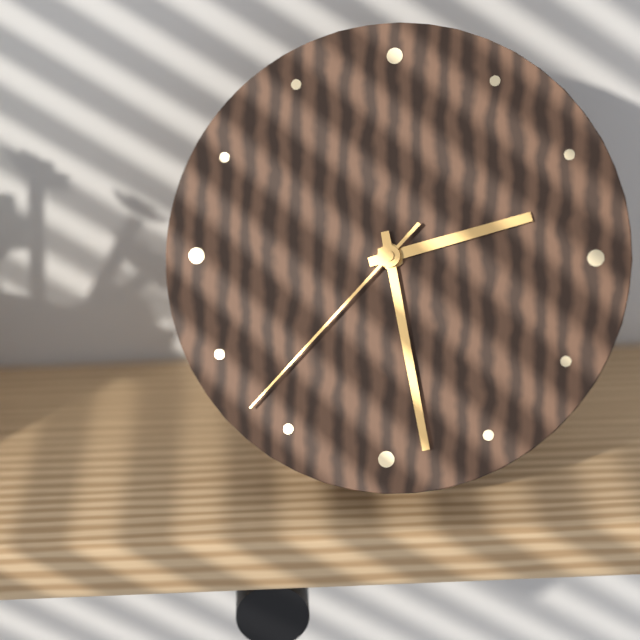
2:28:37
